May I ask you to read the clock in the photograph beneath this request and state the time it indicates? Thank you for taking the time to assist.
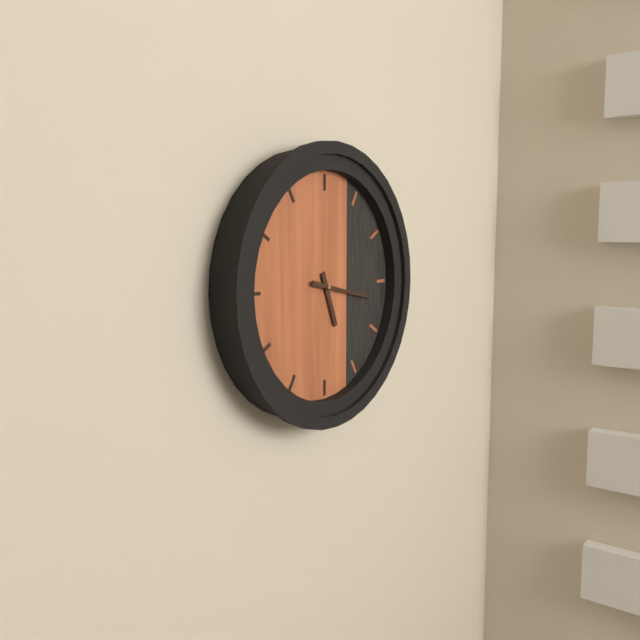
5:17
